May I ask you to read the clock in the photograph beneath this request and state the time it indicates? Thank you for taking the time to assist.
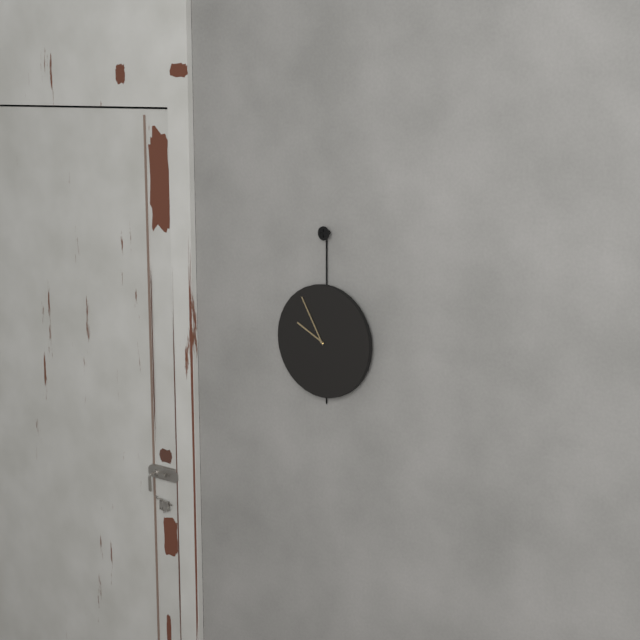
9:55
